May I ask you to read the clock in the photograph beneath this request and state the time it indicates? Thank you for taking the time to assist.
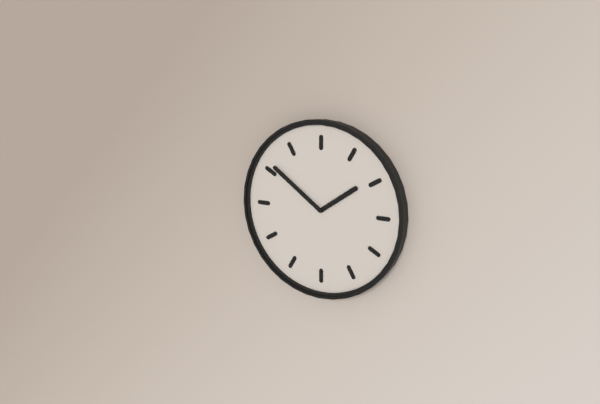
1:51
